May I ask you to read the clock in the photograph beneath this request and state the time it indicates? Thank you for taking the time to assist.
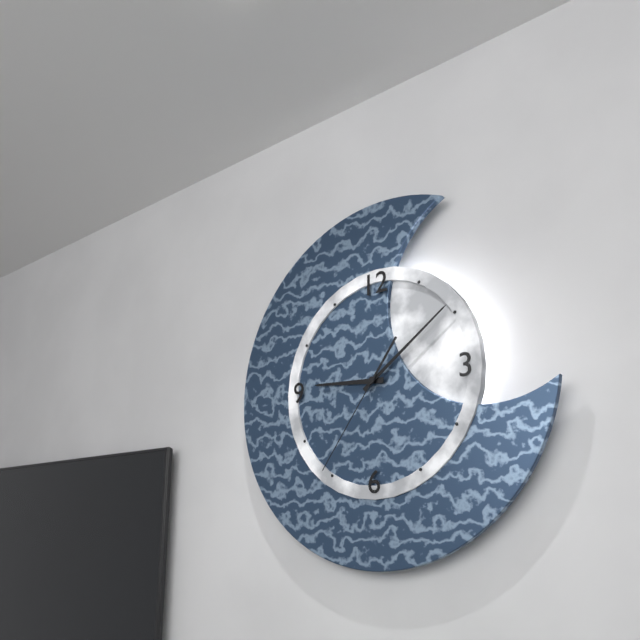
9:09:36
